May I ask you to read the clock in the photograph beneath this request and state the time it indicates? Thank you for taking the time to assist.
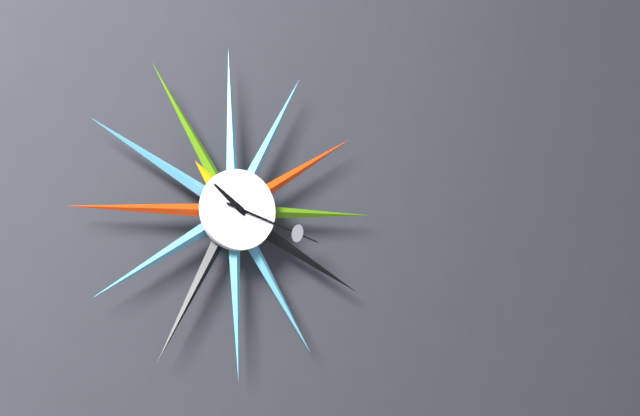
10:18
